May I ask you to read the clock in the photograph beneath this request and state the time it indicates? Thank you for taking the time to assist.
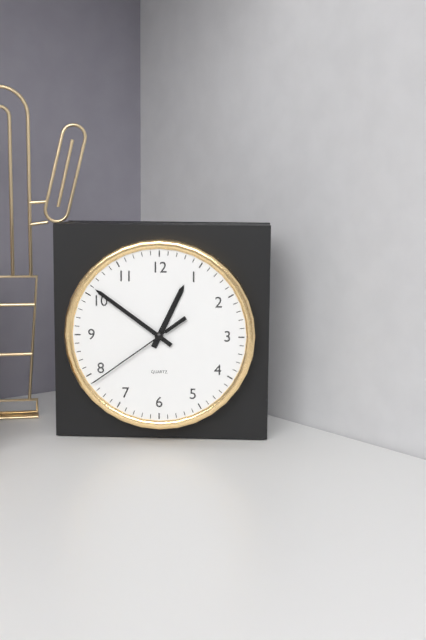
12:51:39
